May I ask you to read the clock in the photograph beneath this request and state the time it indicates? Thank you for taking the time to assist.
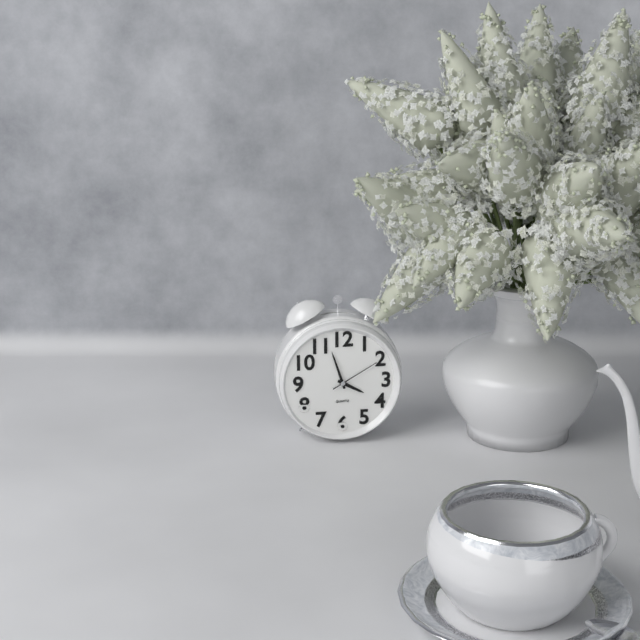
3:57
